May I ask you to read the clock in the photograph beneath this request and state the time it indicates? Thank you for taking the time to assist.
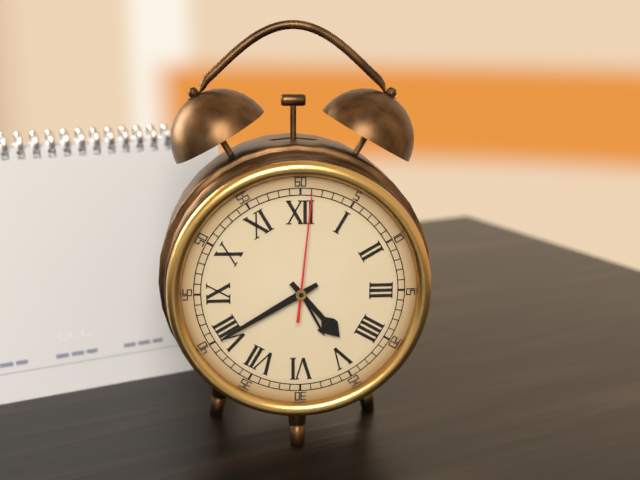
4:40:01
